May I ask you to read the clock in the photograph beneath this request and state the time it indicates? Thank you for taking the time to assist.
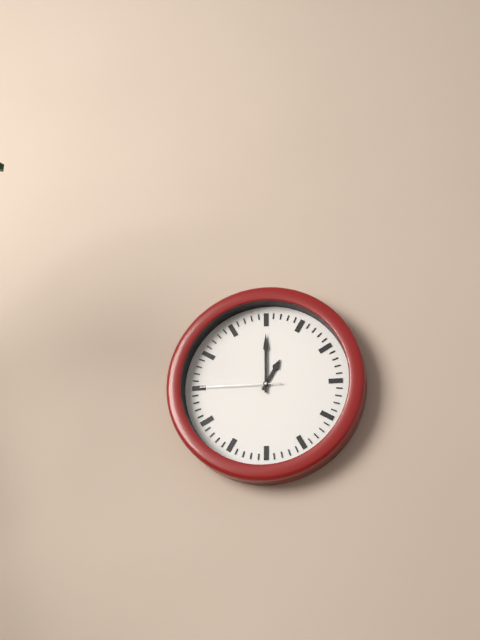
1:00:45
